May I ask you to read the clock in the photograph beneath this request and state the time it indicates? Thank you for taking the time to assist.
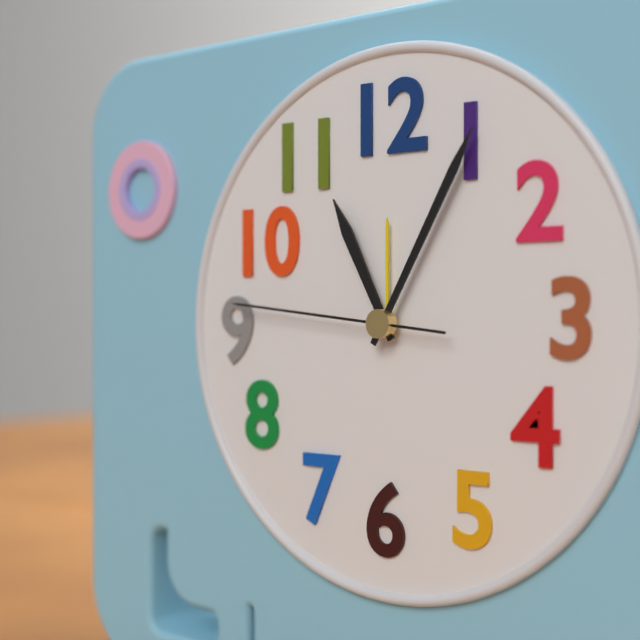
11:05:46
